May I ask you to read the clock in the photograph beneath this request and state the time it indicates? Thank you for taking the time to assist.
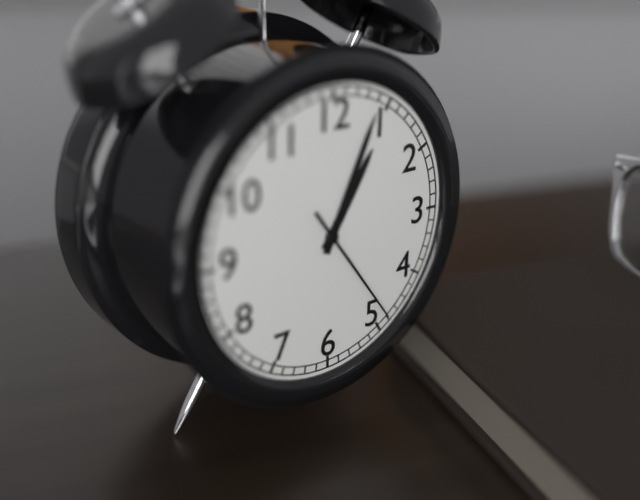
1:04:24
